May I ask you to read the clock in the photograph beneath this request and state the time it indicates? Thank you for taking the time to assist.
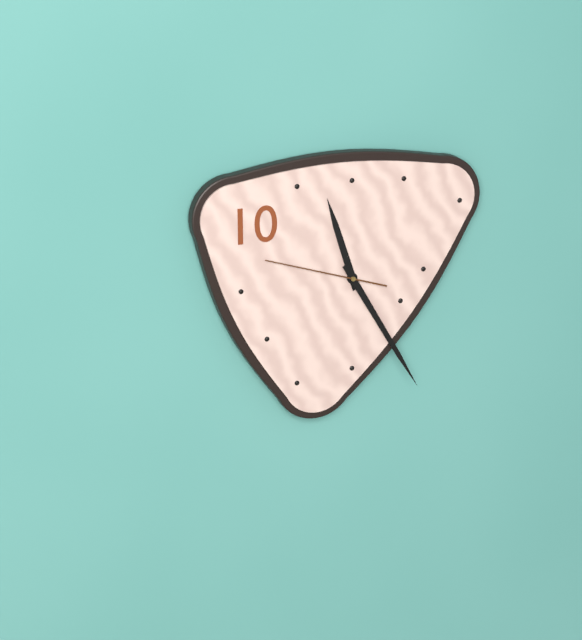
11:25:48
